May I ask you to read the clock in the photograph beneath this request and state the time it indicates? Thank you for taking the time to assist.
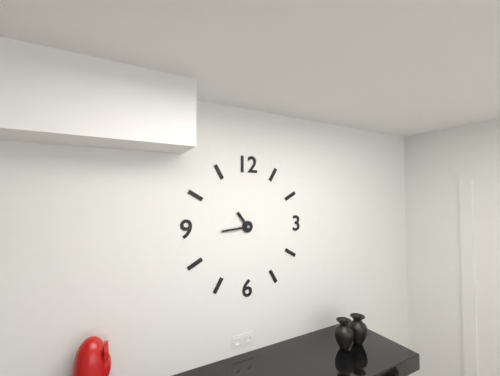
10:44
